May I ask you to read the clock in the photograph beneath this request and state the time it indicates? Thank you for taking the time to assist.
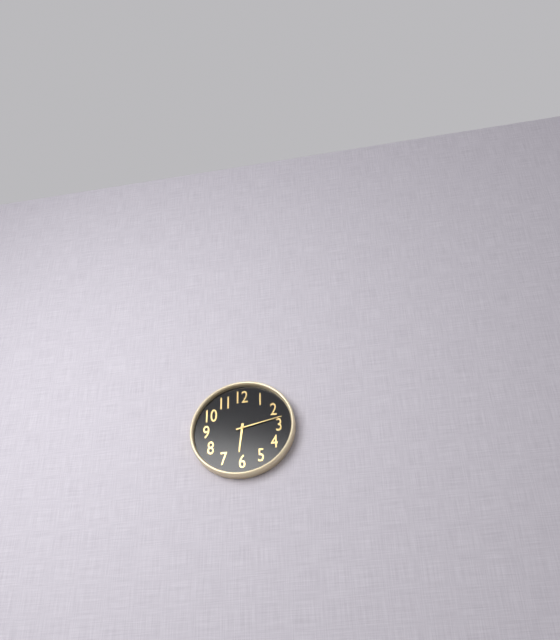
6:13
